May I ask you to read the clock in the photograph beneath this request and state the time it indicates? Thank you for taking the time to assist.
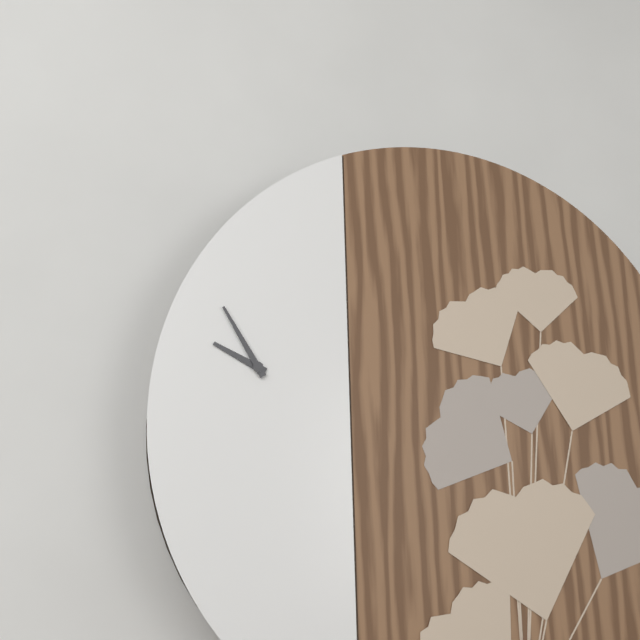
9:55
